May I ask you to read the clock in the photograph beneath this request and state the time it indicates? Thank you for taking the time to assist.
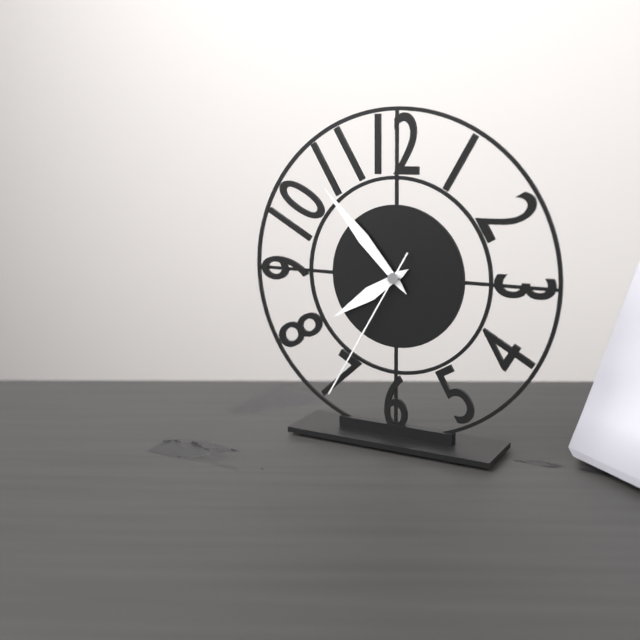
7:53:35
